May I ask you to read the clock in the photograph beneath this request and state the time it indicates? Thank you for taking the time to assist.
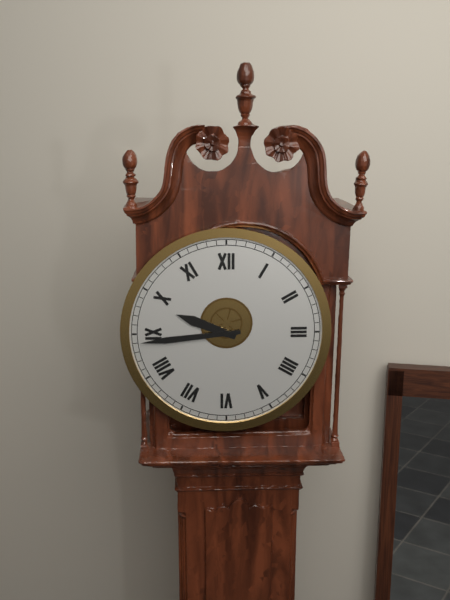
9:44
